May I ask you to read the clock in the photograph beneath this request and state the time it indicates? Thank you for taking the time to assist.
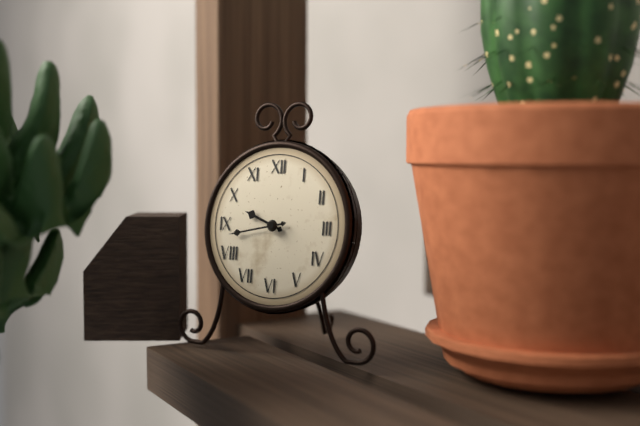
9:43
